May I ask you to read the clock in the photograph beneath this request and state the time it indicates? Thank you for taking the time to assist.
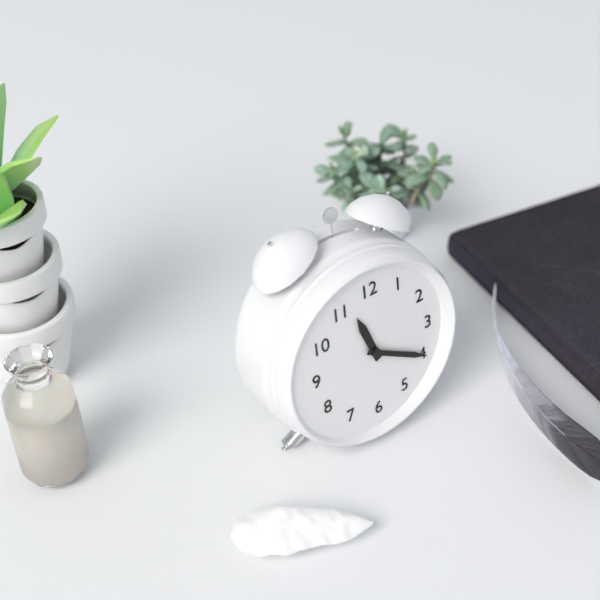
11:20
